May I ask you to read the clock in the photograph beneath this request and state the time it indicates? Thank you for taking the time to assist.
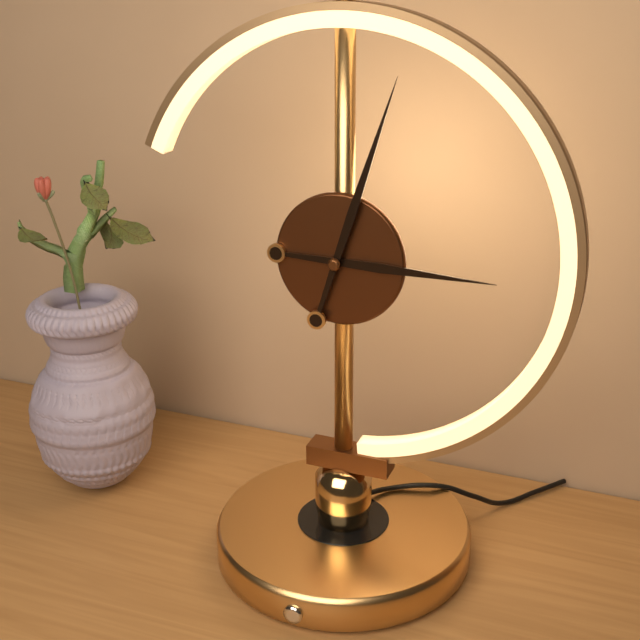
3:03
